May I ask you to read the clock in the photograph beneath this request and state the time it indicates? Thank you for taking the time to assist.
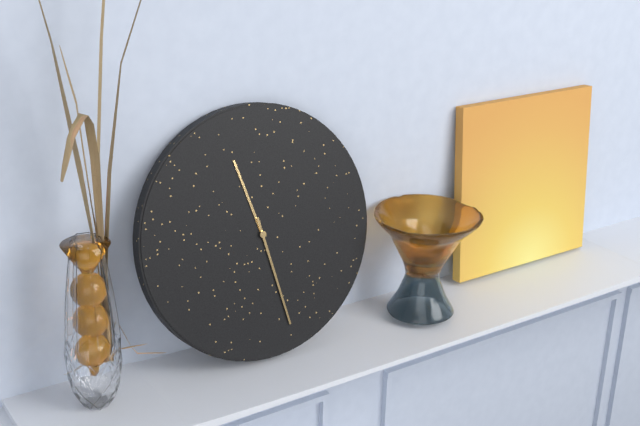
11:28
